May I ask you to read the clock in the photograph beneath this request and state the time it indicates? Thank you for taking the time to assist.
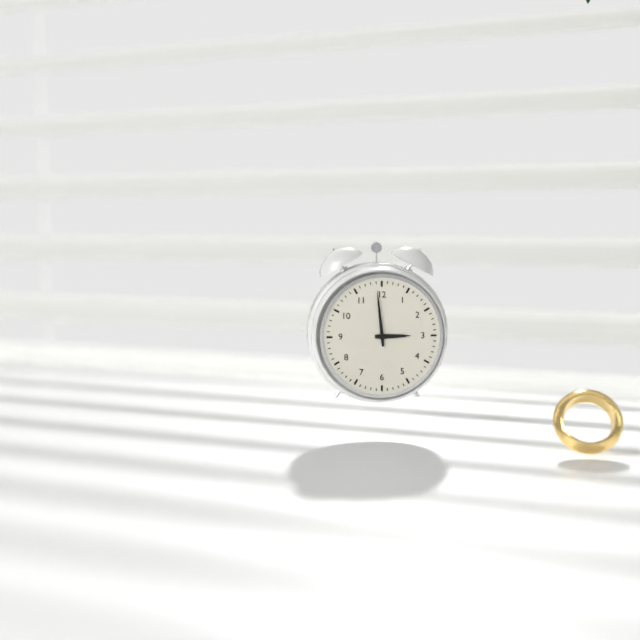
2:59
